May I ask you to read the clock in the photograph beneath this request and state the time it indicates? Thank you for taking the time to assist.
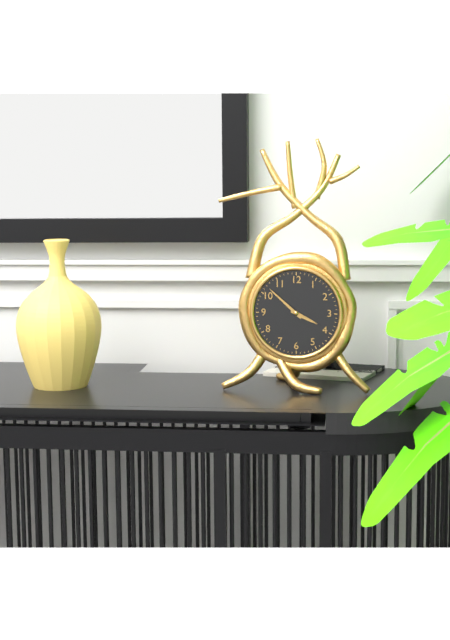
3:52
